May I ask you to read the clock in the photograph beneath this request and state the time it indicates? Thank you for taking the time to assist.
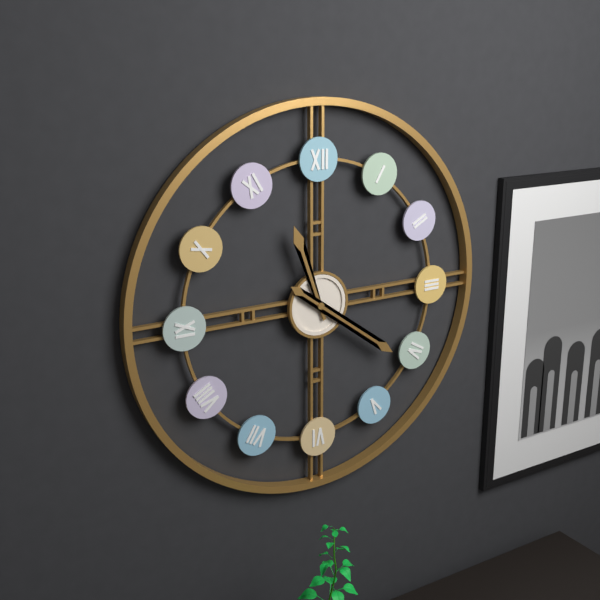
11:21
